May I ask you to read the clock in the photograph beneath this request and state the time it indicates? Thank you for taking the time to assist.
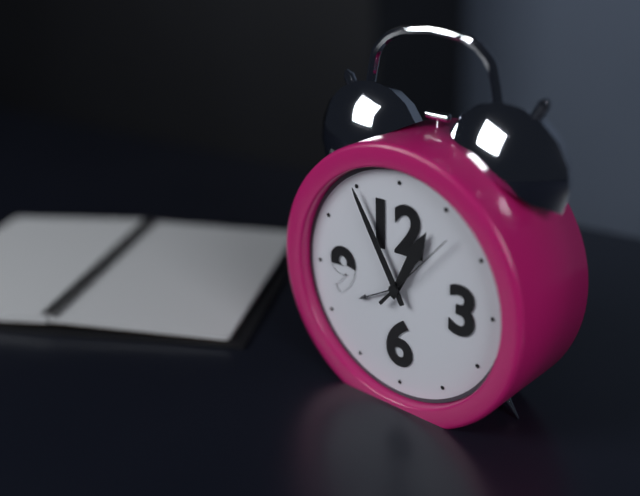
12:55:07
